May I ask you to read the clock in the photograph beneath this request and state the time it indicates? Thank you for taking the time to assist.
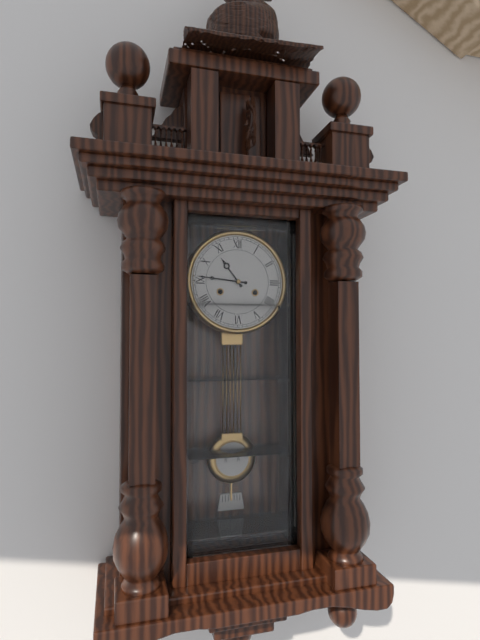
10:46
